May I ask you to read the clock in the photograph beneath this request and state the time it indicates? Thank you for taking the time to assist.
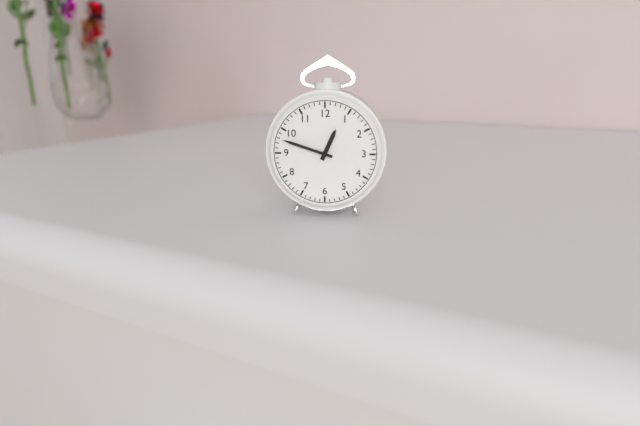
12:48
